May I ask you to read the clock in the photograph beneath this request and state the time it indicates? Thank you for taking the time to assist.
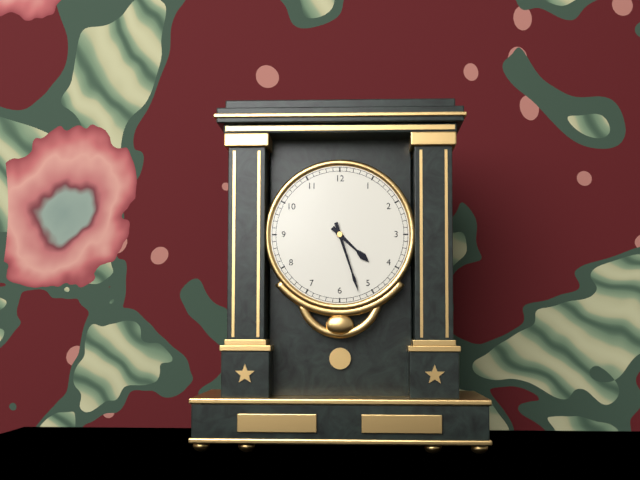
4:27
